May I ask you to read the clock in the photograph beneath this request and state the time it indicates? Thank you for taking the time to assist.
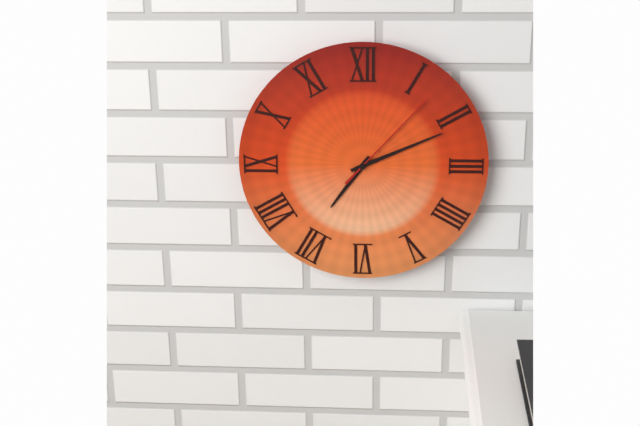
7:11:07
